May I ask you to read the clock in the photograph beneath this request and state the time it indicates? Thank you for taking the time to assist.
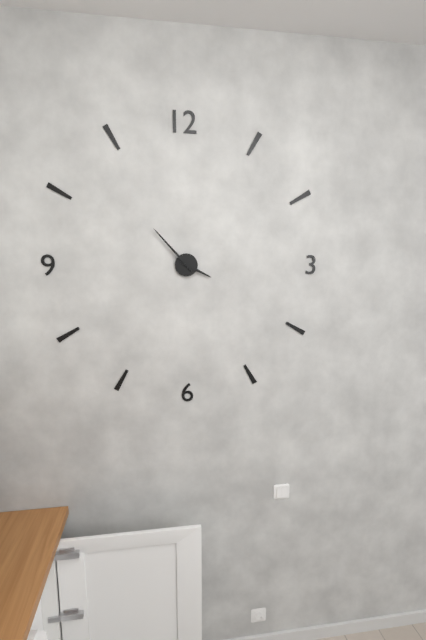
3:53
